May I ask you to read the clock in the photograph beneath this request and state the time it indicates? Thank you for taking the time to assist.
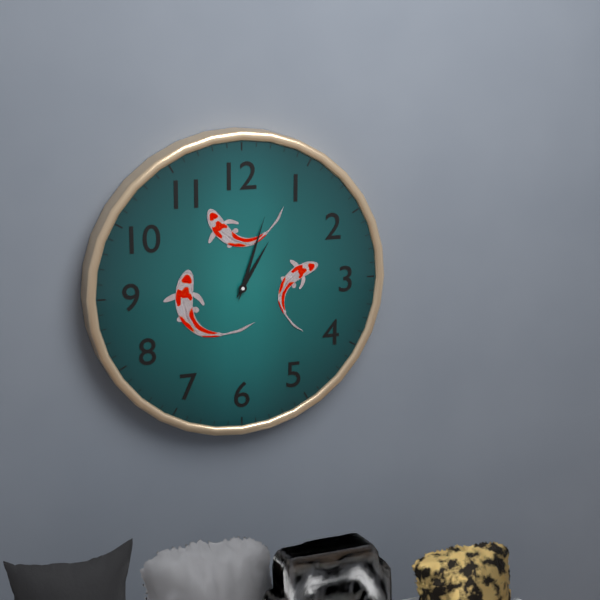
1:03
